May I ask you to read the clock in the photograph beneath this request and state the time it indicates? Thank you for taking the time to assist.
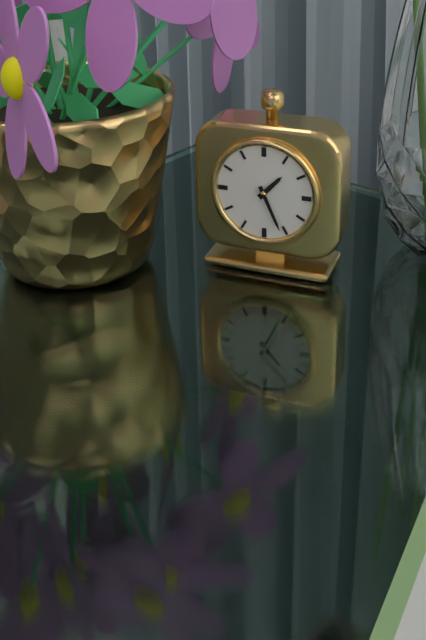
1:26
